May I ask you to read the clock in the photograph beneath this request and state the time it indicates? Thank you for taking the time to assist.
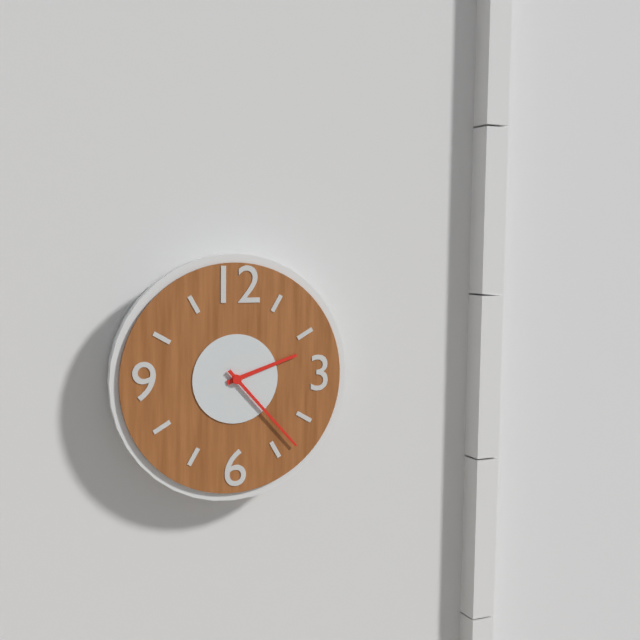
2:23
